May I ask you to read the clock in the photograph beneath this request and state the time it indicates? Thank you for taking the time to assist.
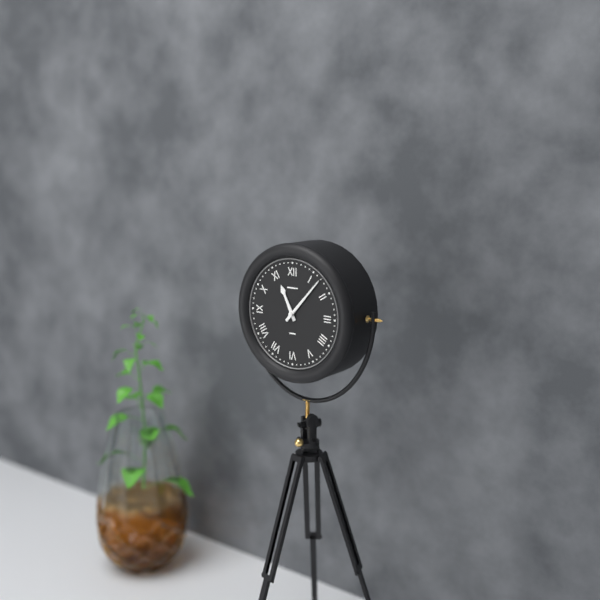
11:07
